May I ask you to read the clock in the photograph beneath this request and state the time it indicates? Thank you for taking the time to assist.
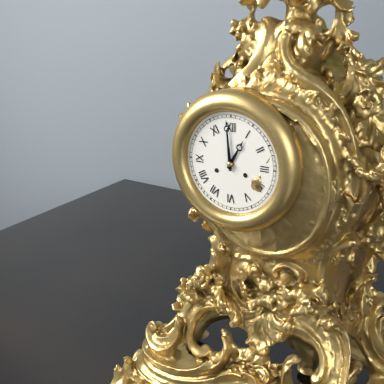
12:59
